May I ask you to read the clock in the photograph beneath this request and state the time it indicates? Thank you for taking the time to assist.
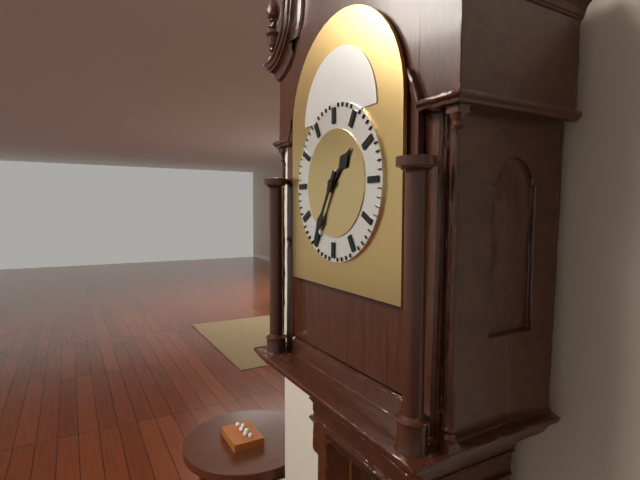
1:35
